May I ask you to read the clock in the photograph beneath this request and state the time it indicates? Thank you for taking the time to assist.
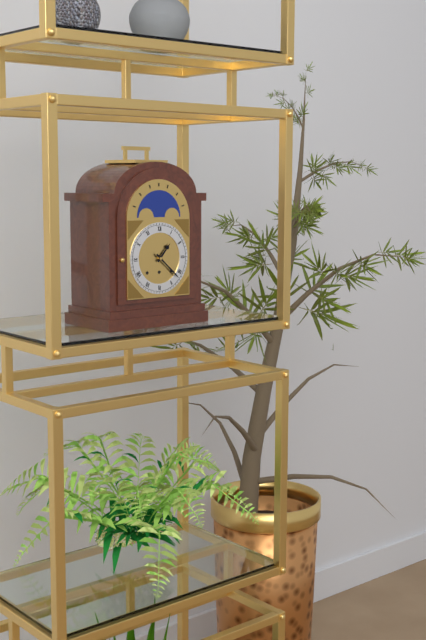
1:22
